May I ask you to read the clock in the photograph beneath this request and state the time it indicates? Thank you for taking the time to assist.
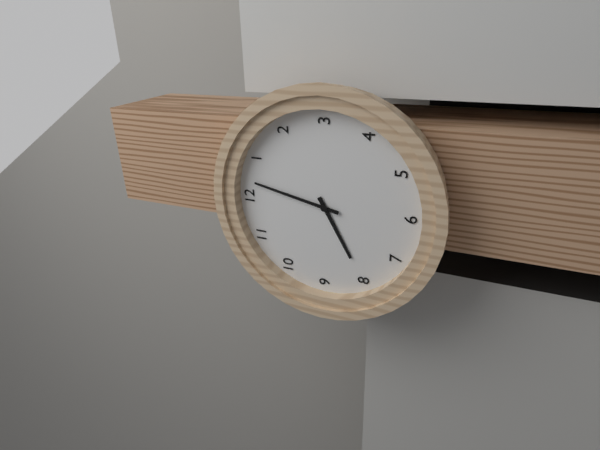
8:02
